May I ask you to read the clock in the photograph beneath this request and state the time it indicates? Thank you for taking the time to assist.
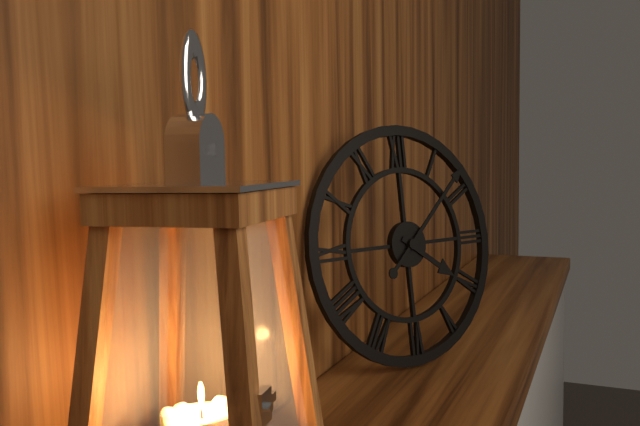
4:08
